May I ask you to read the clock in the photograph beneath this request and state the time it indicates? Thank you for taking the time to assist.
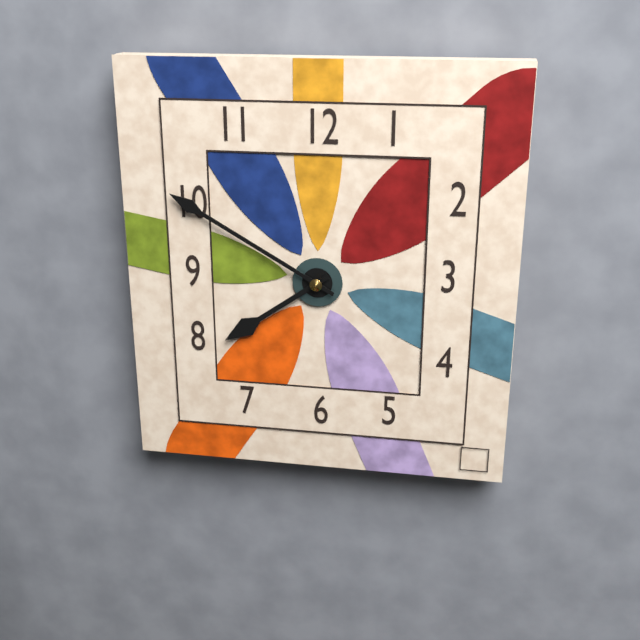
7:50
